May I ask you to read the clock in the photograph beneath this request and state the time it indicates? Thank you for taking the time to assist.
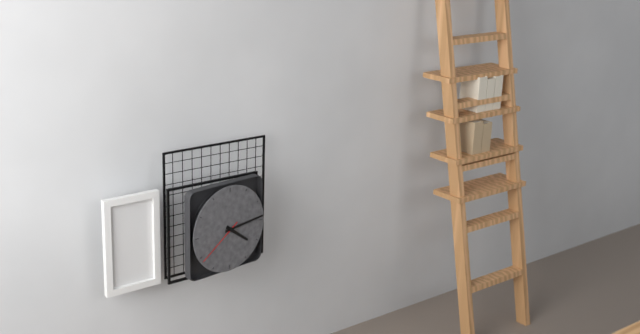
4:14:39
